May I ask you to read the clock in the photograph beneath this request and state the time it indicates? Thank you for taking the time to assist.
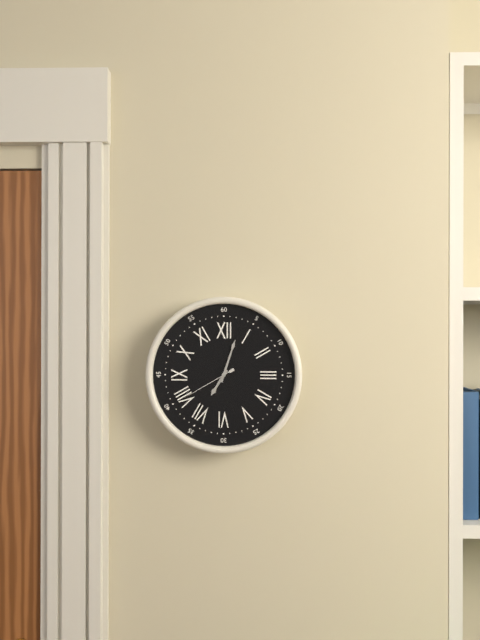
7:03:40
